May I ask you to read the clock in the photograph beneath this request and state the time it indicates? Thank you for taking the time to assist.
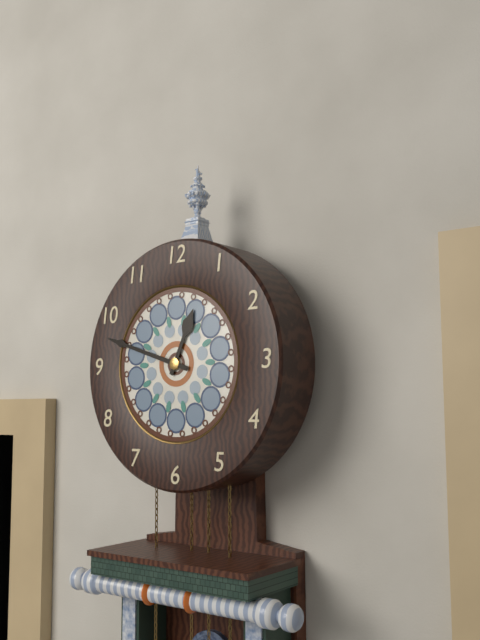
12:48
